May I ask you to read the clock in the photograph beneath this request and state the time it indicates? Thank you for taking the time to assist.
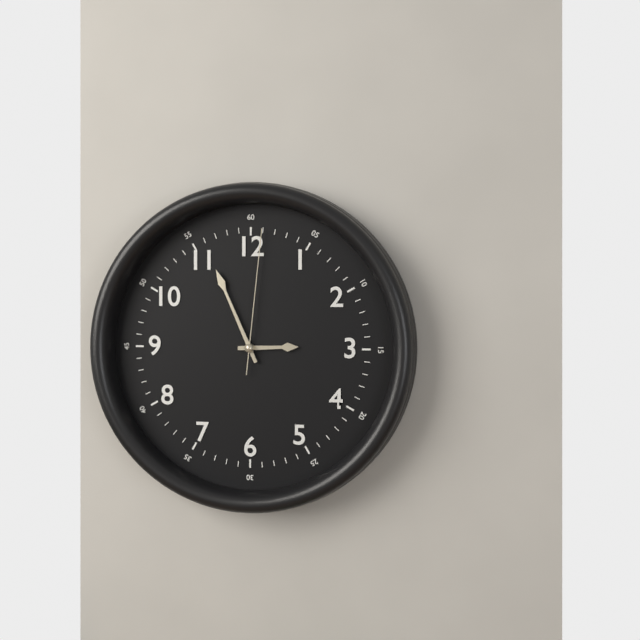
2:56:01
